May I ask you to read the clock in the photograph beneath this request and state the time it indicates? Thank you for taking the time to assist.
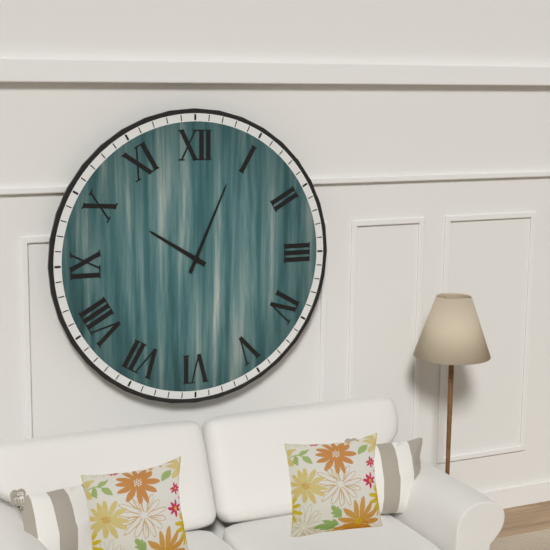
10:04
